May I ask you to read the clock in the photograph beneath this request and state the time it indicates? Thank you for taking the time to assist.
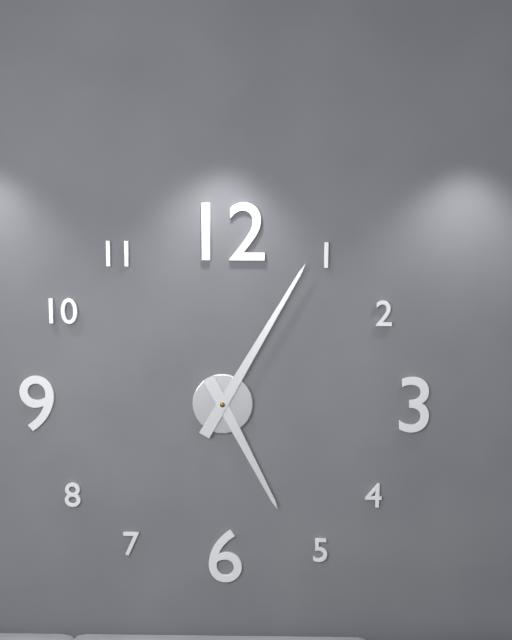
5:05
